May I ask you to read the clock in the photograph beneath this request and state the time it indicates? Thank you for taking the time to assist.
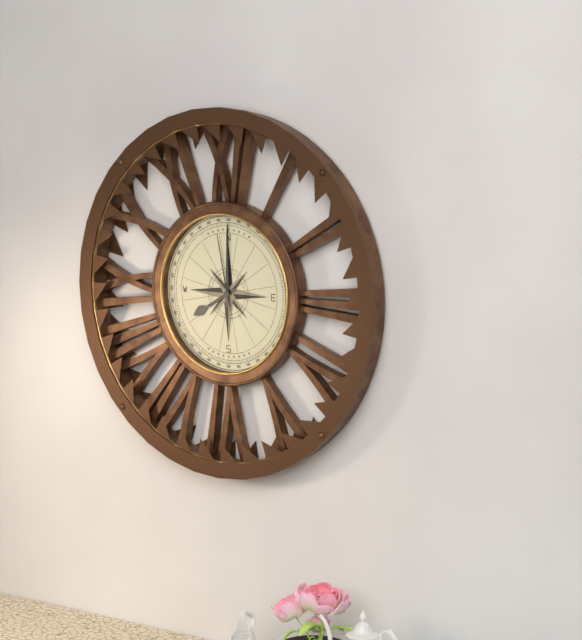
8:00:58
